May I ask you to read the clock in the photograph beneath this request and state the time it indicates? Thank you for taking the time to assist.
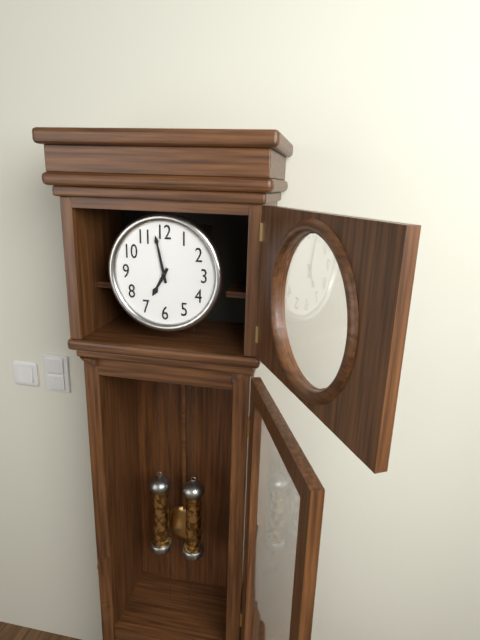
6:58
